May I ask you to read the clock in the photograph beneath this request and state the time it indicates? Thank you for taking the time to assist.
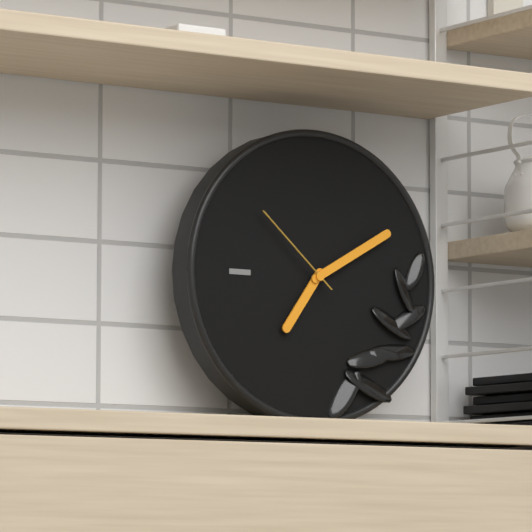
7:10:52
